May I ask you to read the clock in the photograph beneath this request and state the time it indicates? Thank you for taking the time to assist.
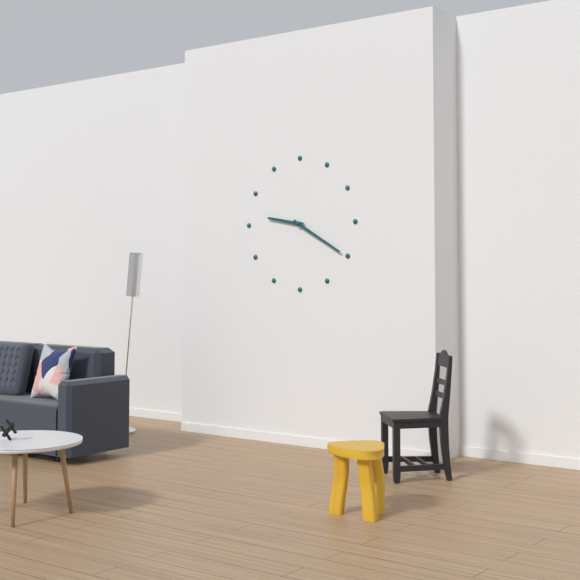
9:20
